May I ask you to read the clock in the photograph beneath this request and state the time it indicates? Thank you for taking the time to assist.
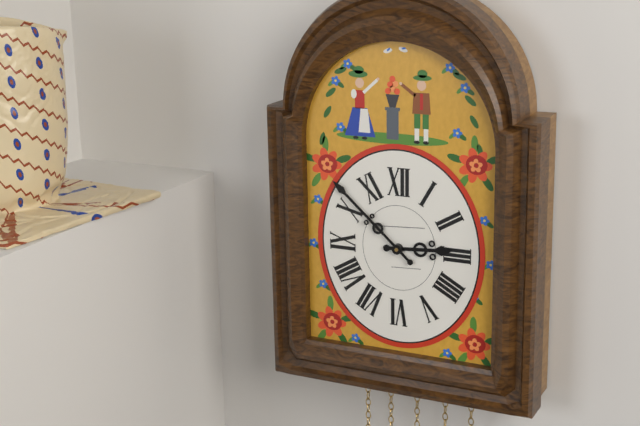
2:52
